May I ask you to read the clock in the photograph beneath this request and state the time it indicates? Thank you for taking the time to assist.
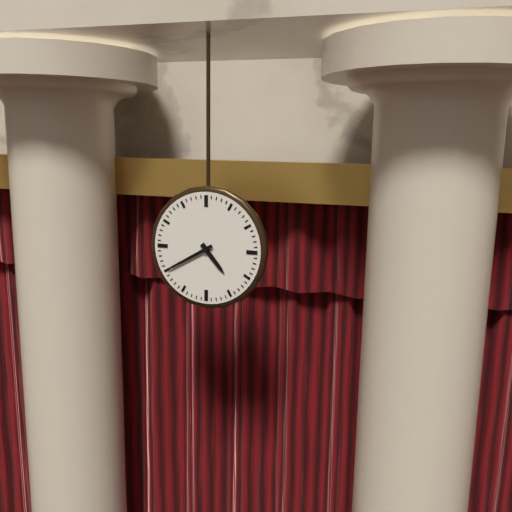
4:40
